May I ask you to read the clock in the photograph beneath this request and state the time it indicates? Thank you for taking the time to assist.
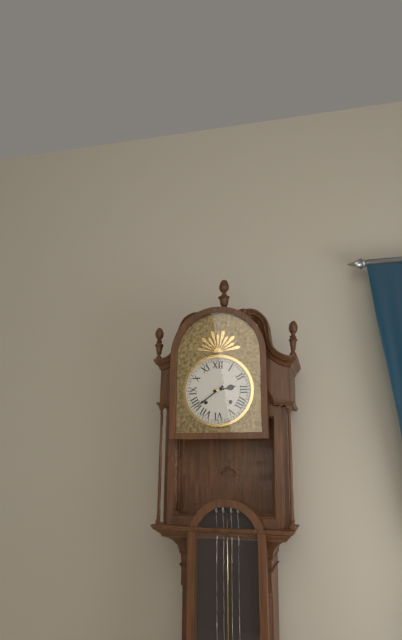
2:39
